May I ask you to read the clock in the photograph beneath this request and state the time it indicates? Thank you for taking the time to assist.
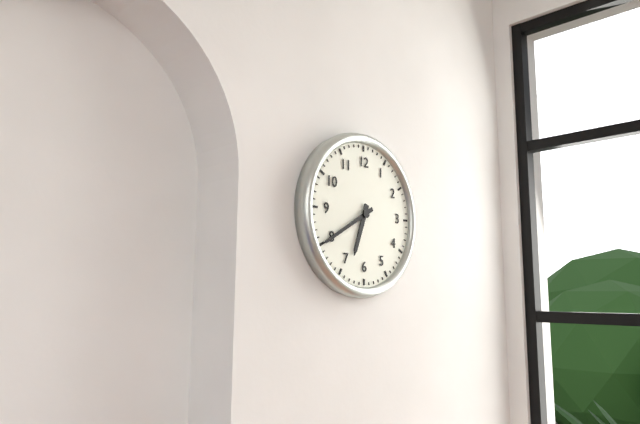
6:40
